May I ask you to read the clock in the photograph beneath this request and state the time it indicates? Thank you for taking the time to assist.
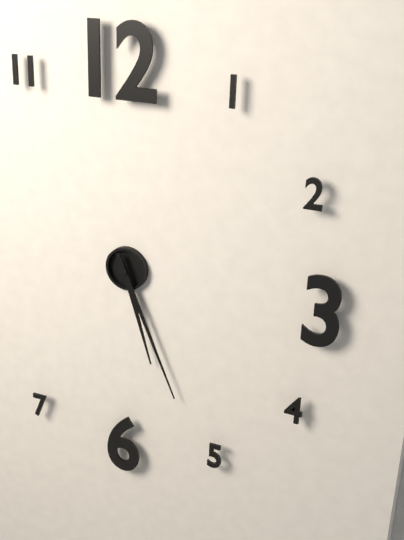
5:26
